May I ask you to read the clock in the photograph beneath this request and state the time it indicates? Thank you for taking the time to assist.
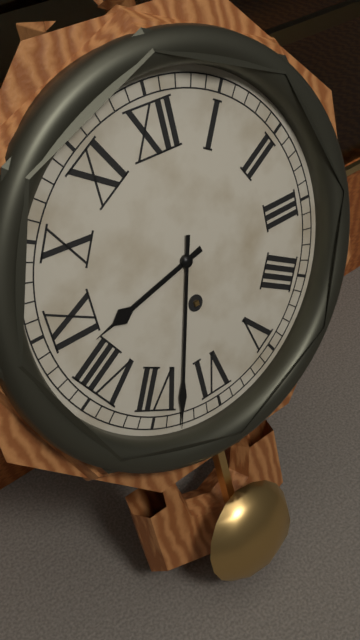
8:33
